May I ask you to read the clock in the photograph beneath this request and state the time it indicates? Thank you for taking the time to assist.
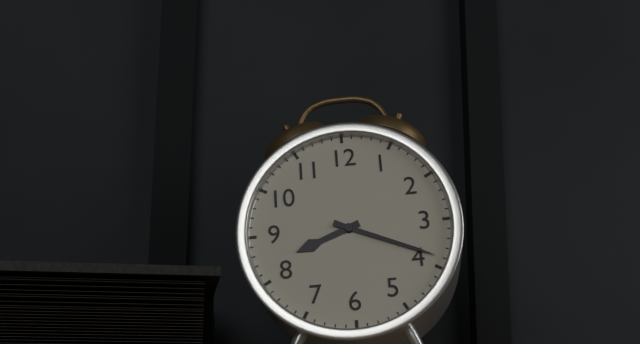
8:19
